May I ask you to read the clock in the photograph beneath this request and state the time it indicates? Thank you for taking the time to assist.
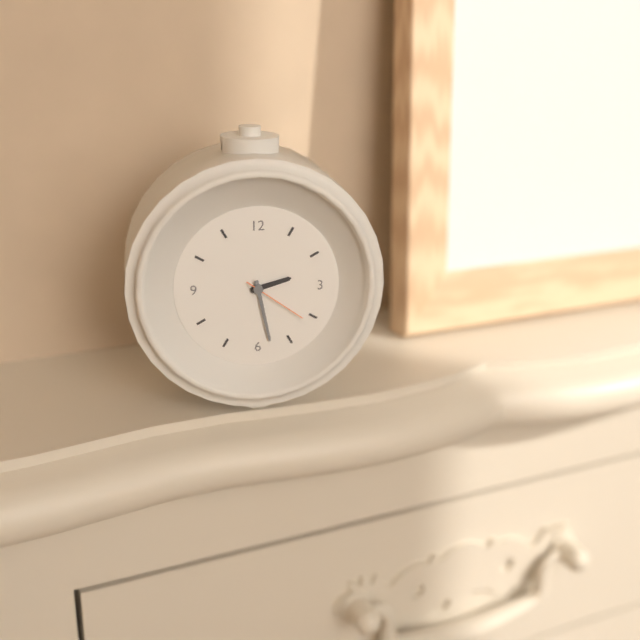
2:28:21
